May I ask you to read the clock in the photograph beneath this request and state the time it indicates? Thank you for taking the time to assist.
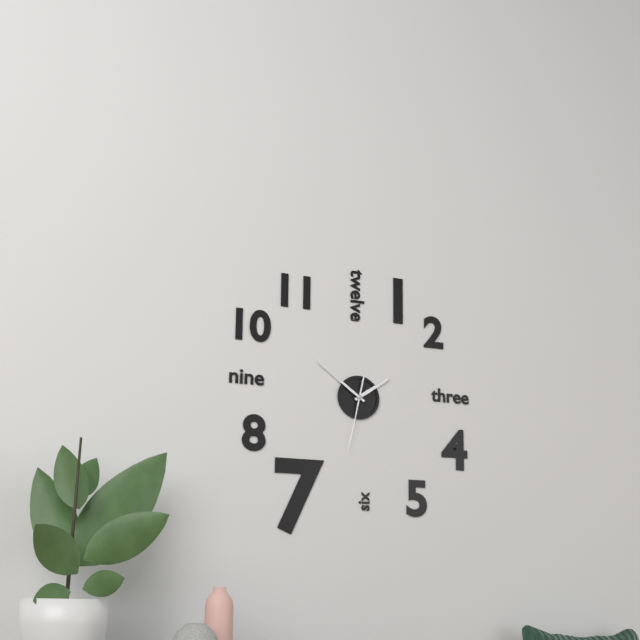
1:51:32
